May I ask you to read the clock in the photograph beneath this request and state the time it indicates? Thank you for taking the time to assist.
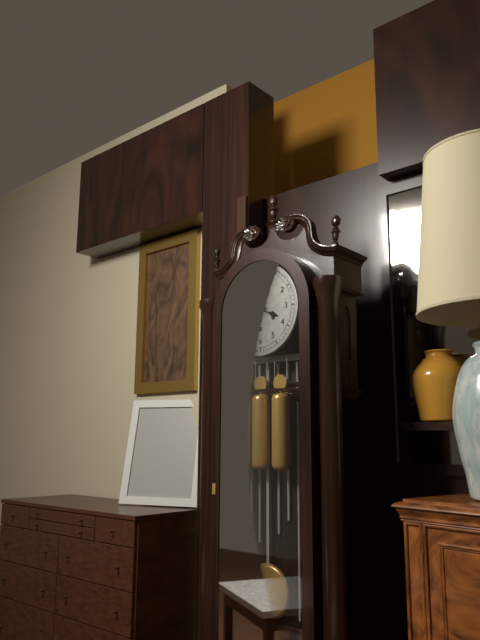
3:44
